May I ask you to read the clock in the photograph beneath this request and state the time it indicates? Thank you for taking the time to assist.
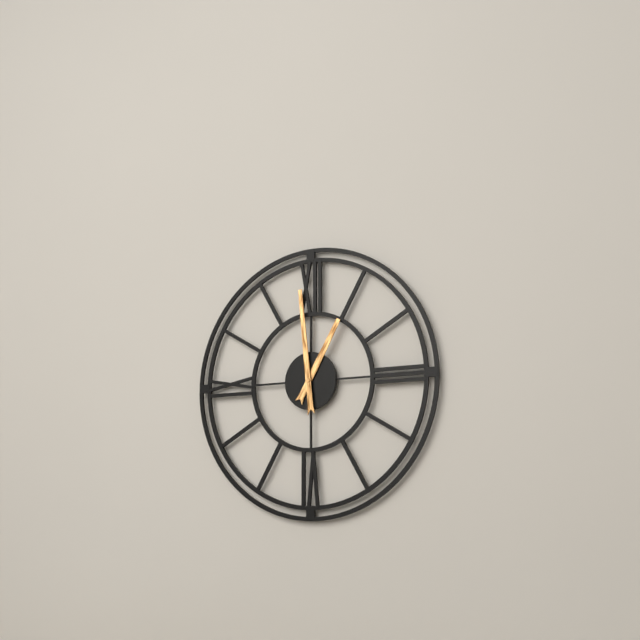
12:59
